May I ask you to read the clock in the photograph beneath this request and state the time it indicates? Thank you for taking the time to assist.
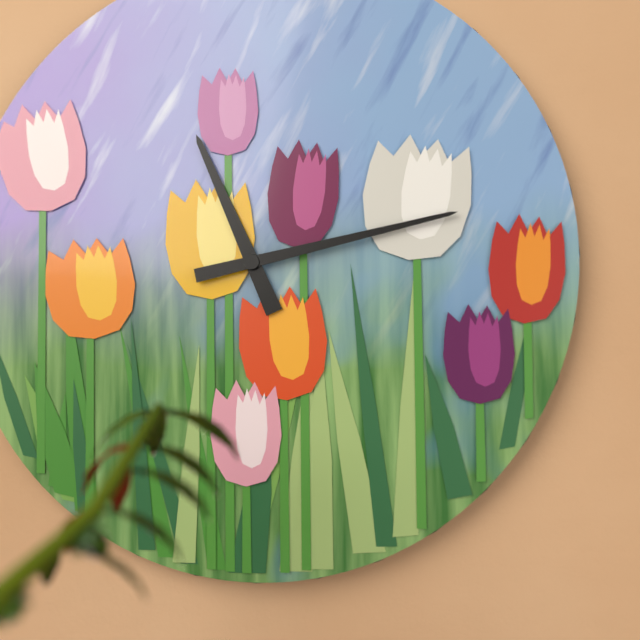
11:13
